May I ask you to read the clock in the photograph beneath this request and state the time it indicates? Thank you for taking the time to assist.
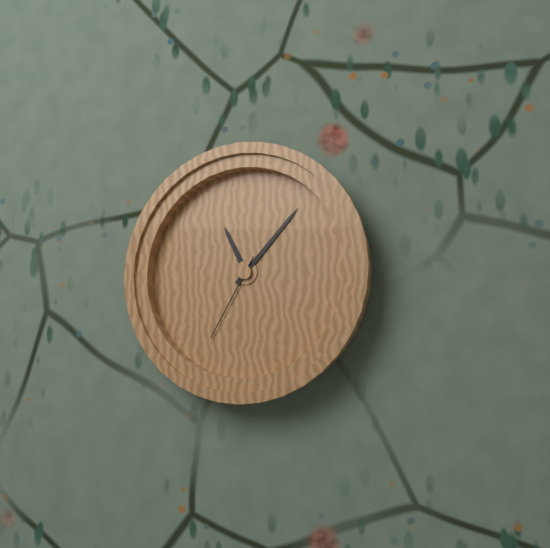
11:07:35
